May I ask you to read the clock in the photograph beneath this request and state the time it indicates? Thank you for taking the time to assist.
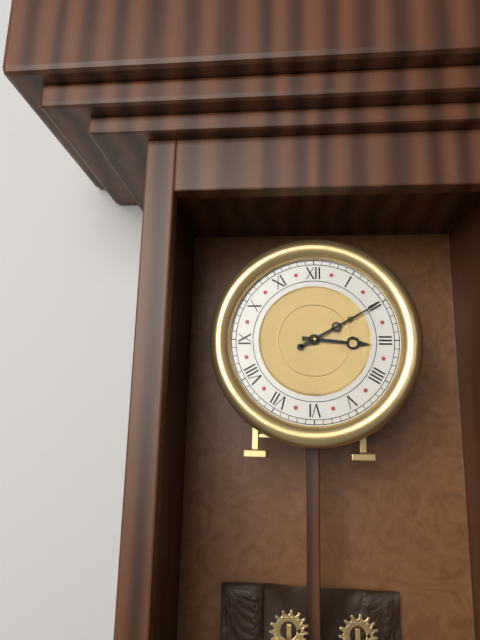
3:10
